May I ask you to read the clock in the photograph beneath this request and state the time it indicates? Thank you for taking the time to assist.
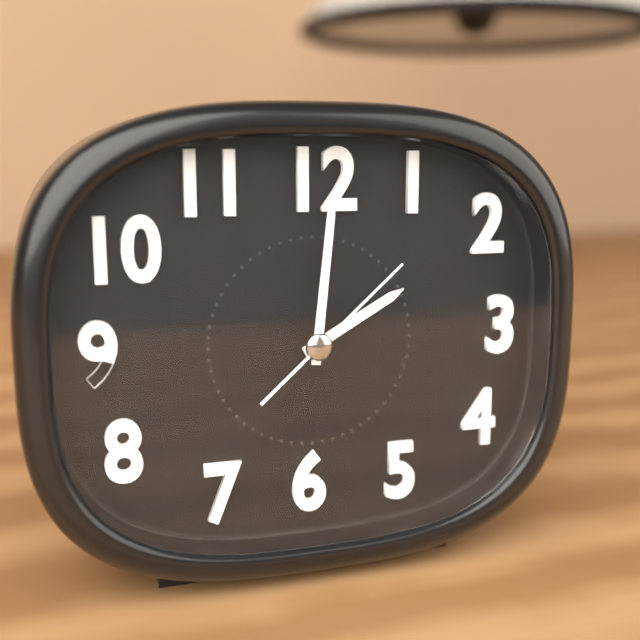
2:01:08
